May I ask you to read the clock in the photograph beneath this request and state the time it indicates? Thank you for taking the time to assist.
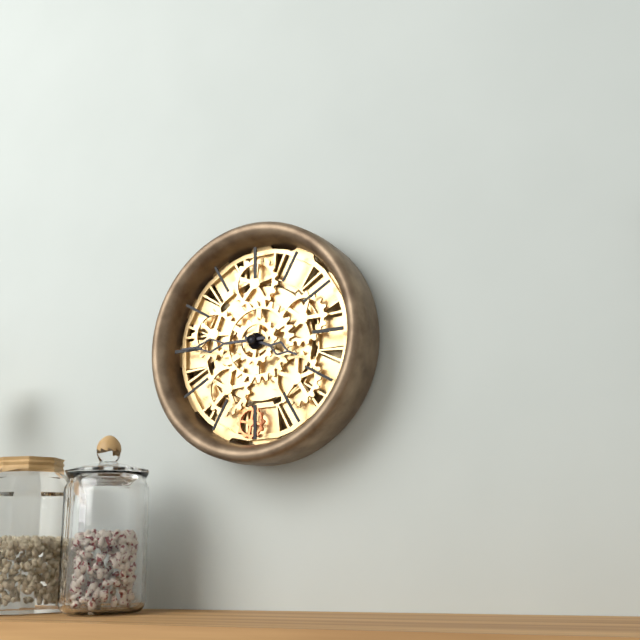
3:45
